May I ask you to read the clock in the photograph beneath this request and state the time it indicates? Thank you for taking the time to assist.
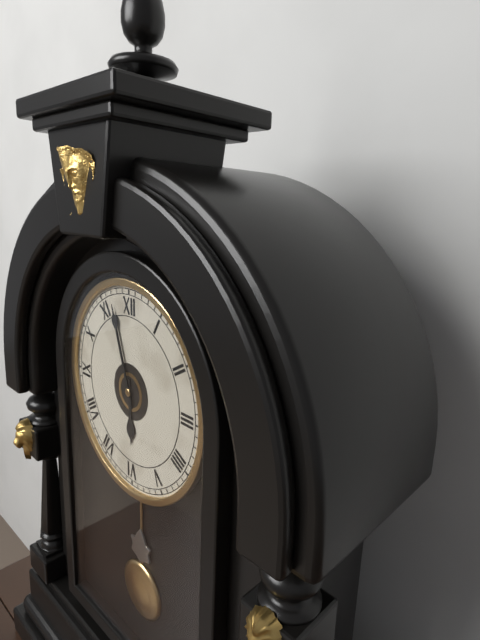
5:57
